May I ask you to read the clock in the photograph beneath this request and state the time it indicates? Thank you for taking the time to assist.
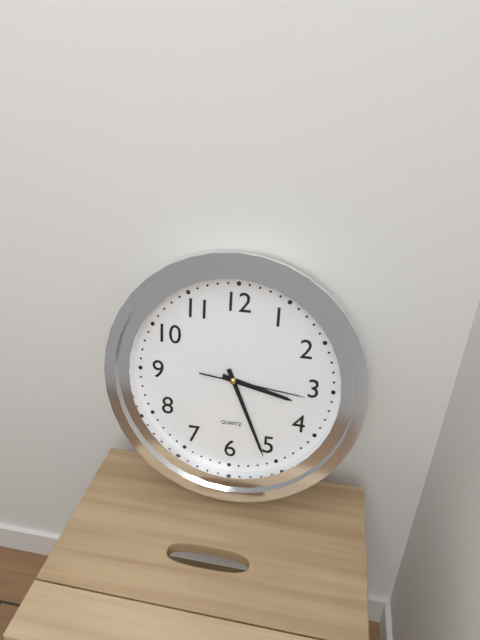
3:26:16
